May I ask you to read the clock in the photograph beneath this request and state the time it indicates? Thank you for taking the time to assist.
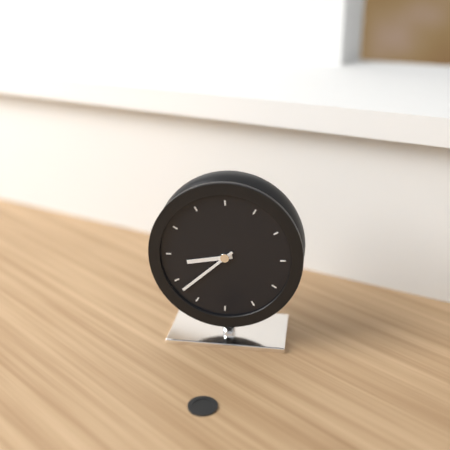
8:38
